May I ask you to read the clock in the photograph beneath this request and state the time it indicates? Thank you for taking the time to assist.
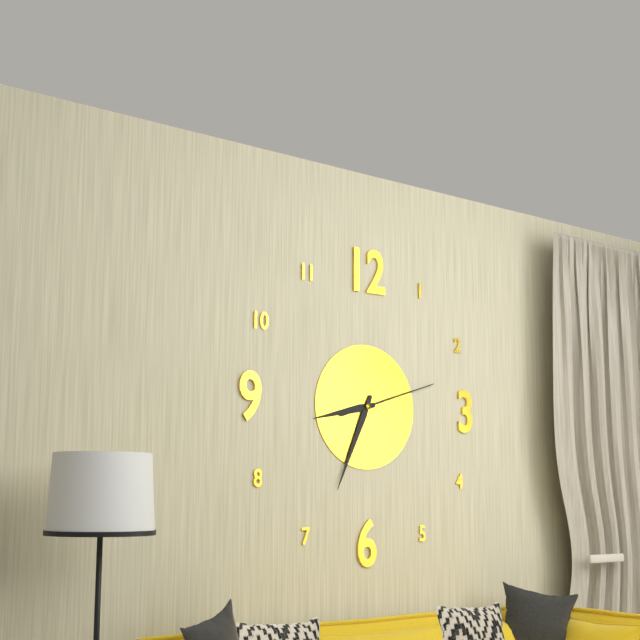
8:34:12
